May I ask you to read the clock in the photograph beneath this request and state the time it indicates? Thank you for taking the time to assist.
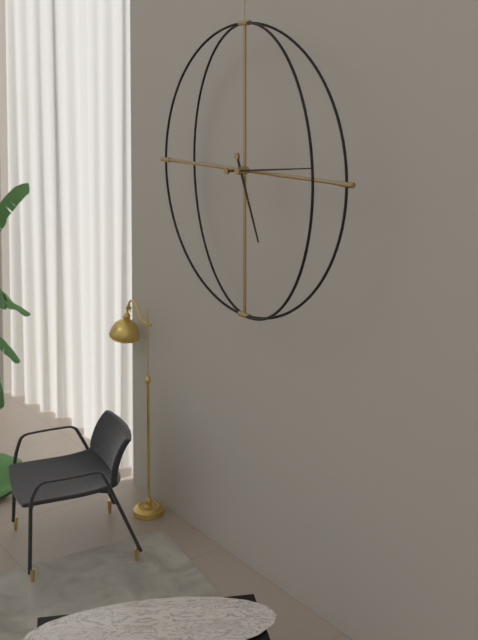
5:14
